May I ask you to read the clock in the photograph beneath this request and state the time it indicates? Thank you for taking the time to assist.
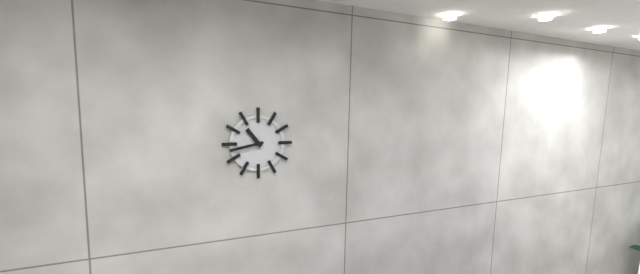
10:43
